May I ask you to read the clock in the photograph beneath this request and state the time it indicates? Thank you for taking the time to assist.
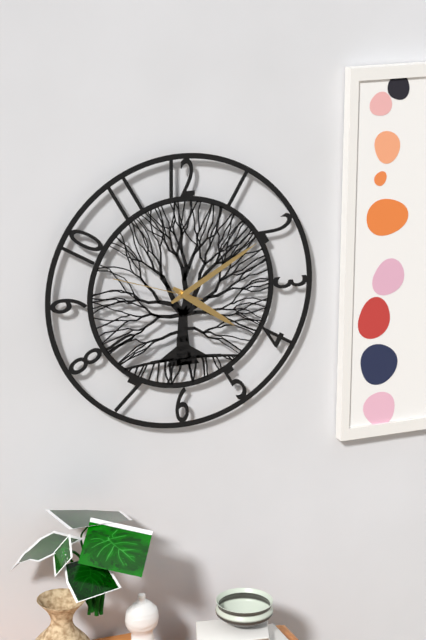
4:10:48
